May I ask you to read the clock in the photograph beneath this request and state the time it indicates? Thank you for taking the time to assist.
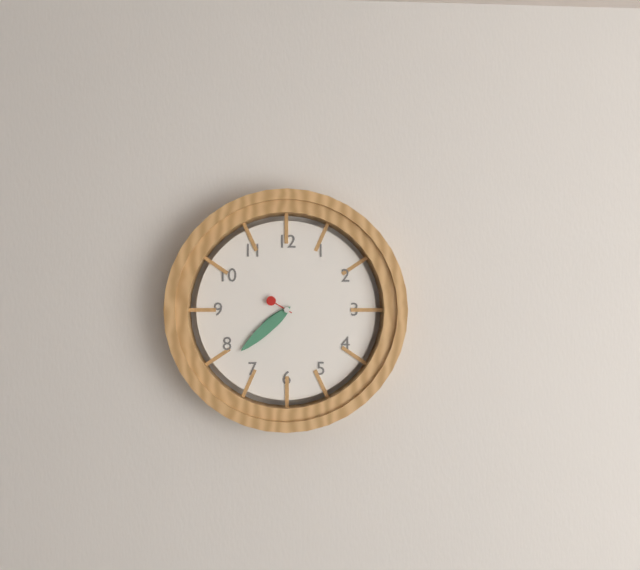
7:38
